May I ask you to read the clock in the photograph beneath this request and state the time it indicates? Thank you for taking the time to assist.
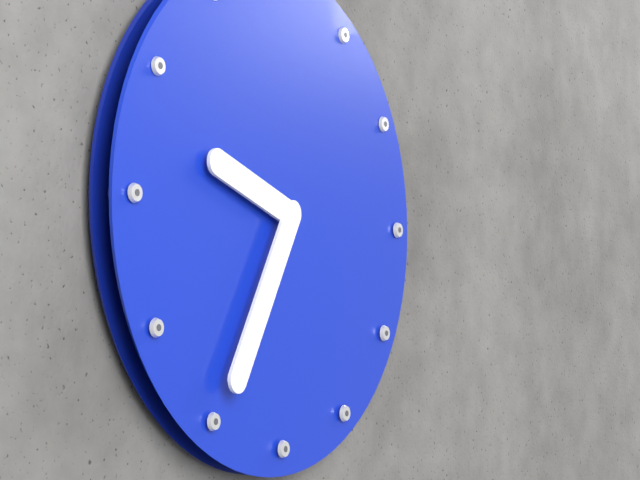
9:35
